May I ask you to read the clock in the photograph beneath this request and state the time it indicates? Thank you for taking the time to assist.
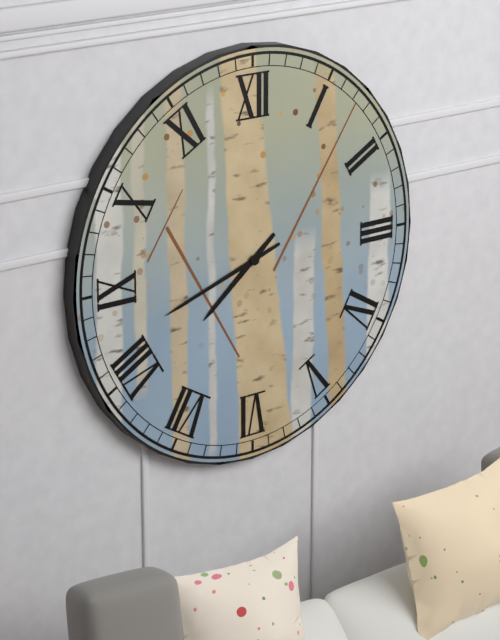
7:42
